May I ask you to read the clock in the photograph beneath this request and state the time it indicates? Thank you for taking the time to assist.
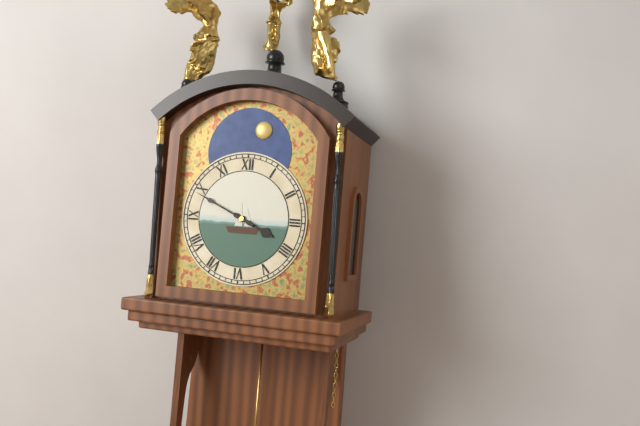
3:49
